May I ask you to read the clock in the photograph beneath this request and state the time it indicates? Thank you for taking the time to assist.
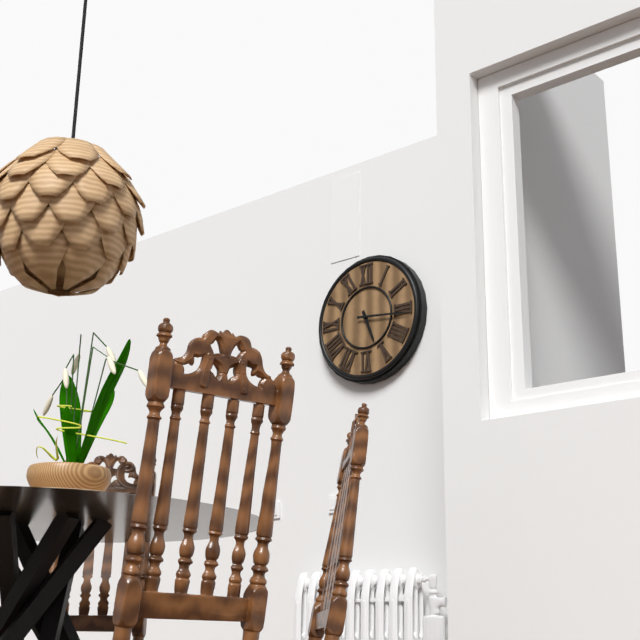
5:16
